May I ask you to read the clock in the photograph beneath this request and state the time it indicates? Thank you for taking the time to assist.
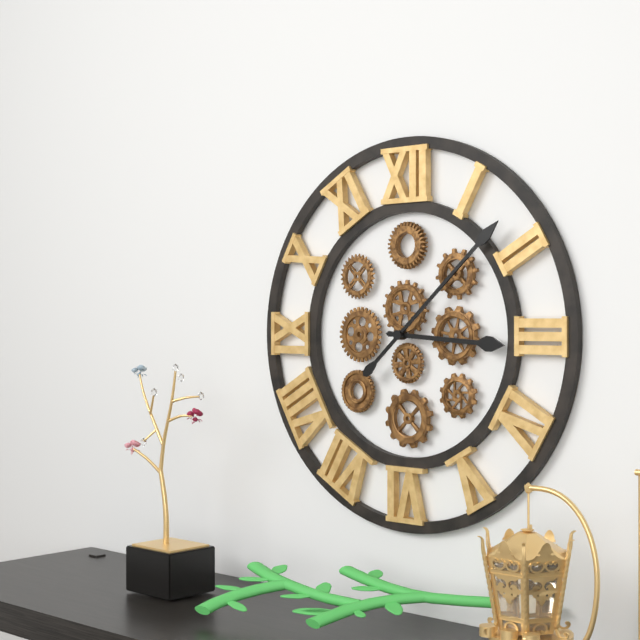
3:08
